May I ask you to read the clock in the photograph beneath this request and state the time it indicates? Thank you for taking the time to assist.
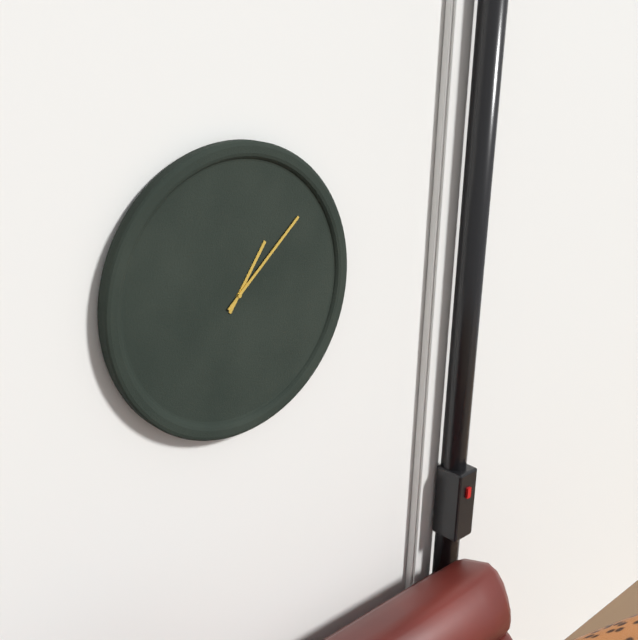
1:08
